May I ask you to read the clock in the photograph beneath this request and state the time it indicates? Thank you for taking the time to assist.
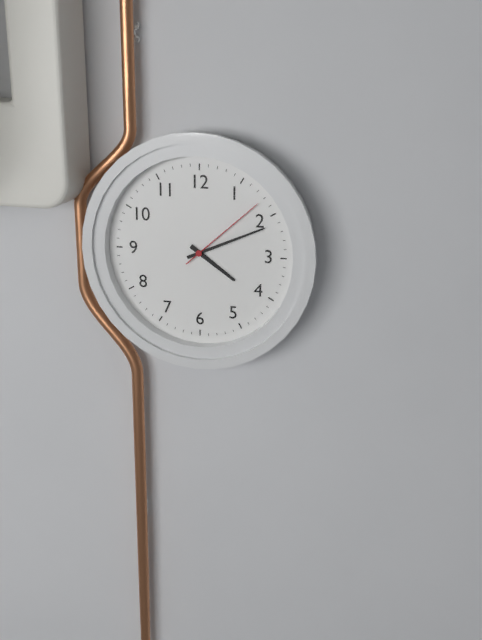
4:11:08
